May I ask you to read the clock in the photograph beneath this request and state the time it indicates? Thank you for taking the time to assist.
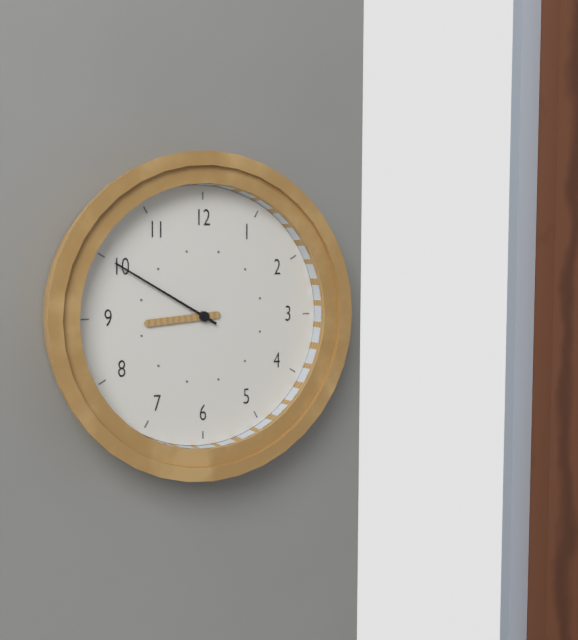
8:50
